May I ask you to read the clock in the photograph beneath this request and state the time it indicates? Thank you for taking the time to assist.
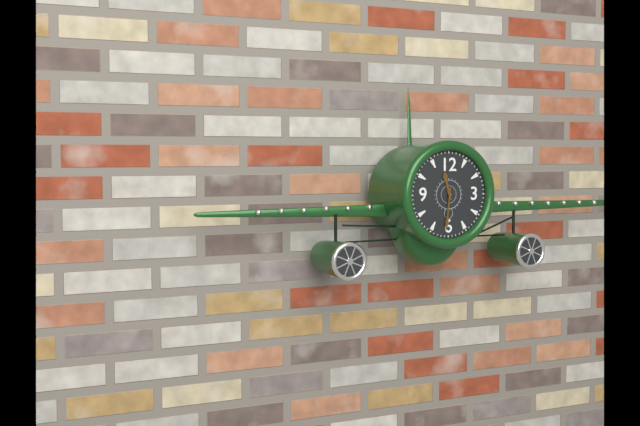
11:31
